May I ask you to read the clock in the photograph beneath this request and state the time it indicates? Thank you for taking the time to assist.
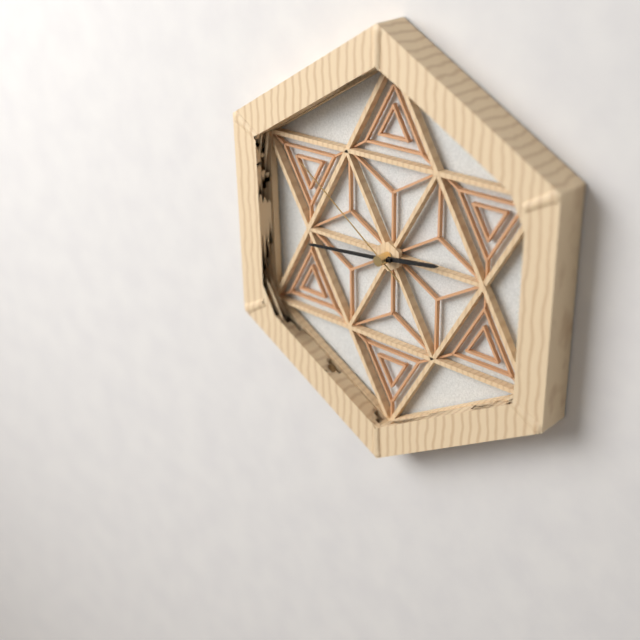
2:44:51
